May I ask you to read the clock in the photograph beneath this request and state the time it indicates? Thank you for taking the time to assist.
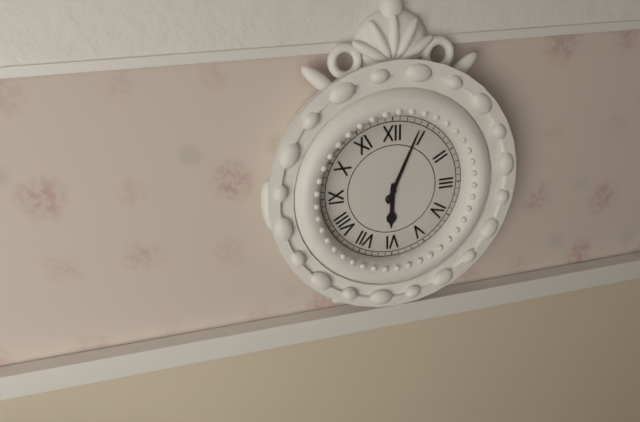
6:04
